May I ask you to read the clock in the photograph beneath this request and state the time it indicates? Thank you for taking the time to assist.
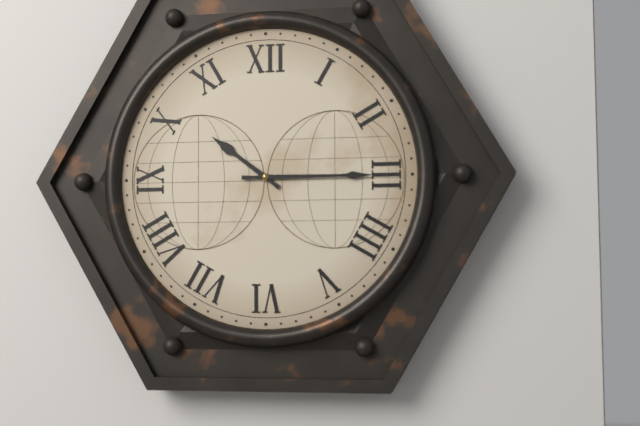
10:15
